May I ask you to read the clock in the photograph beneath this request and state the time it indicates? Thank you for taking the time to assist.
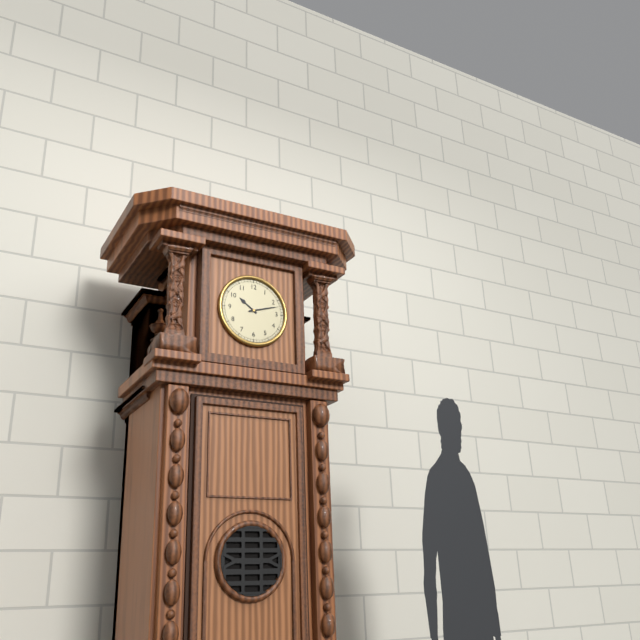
10:12
